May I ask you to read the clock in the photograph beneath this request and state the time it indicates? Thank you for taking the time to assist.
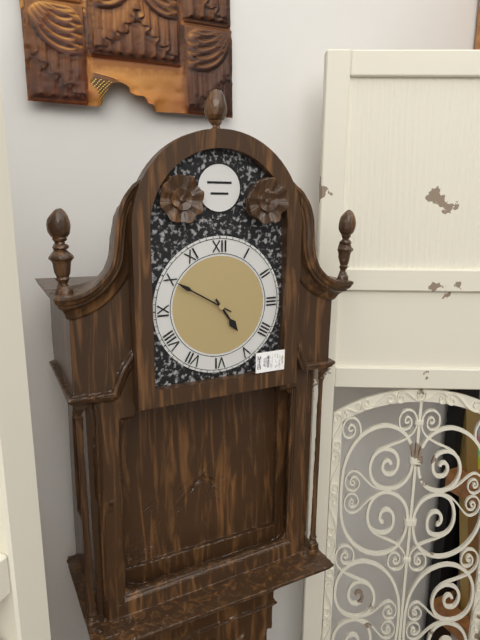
4:50
